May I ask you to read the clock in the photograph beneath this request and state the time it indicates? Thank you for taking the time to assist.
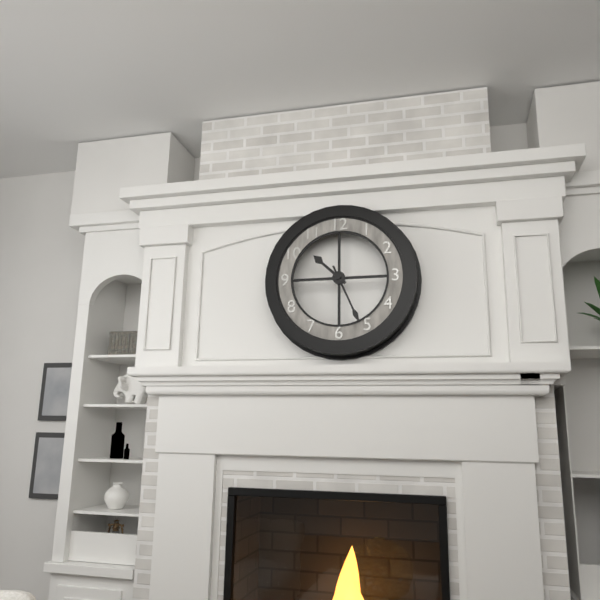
10:26
